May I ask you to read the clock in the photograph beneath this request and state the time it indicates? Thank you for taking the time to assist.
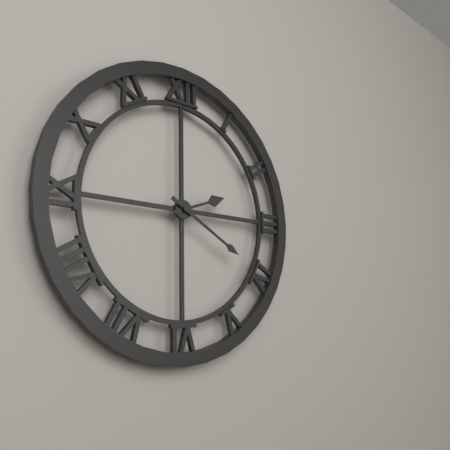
2:20
